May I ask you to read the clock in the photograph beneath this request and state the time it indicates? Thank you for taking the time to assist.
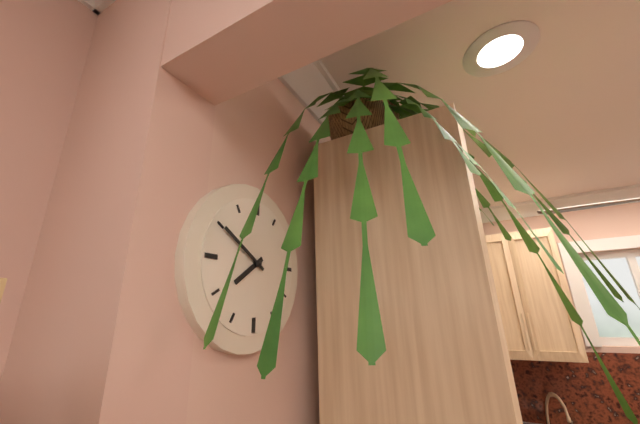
7:50
